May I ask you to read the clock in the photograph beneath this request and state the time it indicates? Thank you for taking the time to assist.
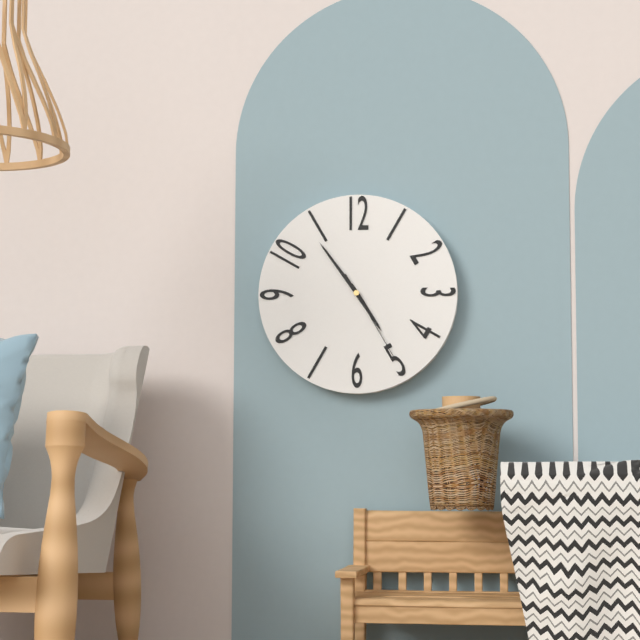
4:54:25
